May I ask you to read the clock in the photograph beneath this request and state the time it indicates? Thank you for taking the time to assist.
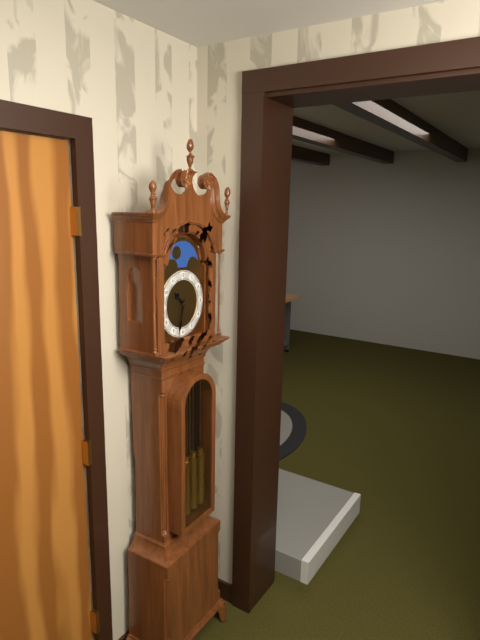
10:32
